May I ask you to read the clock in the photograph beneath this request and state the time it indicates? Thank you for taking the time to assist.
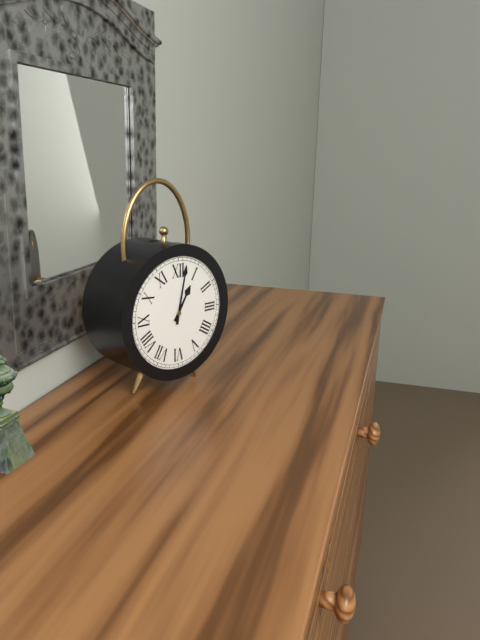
1:02
